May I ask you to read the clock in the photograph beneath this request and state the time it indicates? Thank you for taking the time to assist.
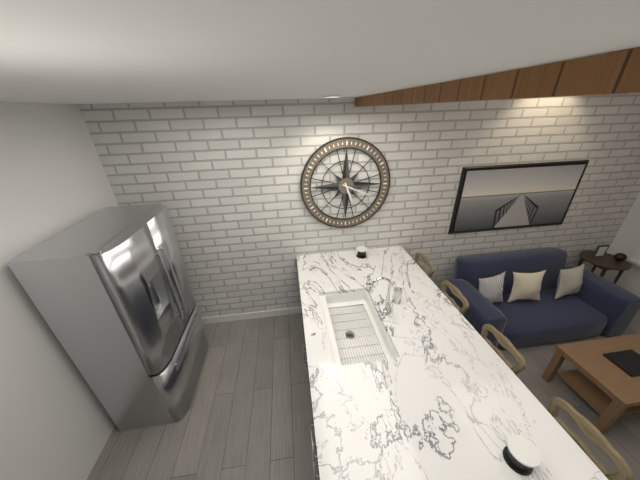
5:19
